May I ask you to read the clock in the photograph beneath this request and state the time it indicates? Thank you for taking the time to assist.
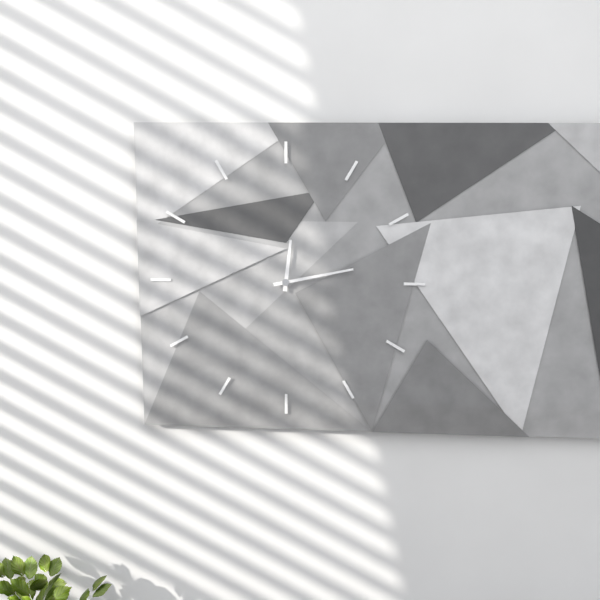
12:13
